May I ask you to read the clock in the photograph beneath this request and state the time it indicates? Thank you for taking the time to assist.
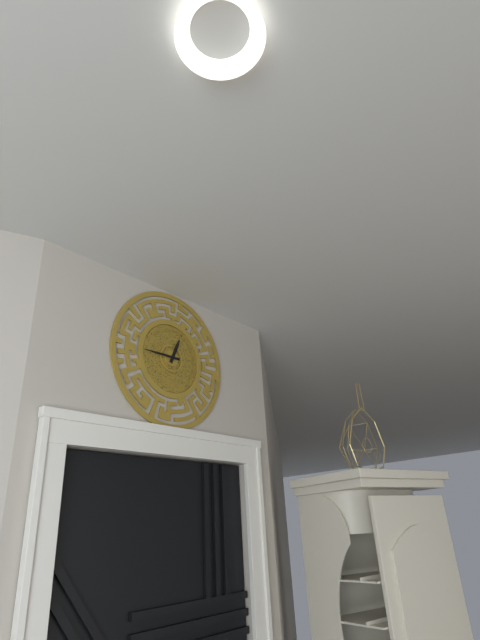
12:45
